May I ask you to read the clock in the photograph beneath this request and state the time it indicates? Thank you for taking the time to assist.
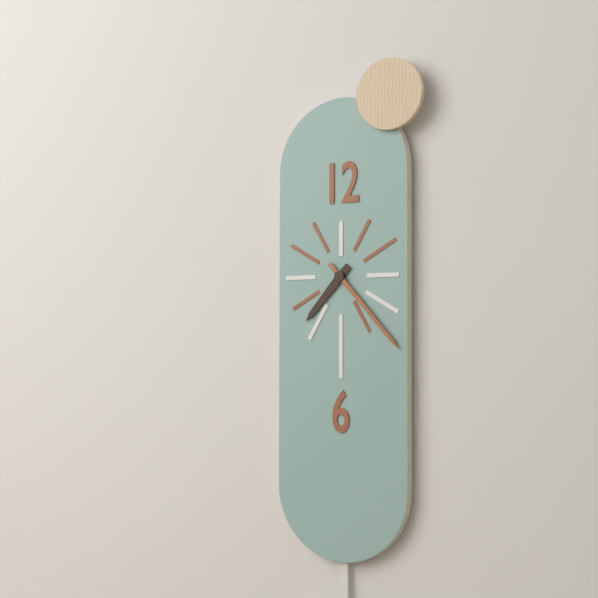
7:23
